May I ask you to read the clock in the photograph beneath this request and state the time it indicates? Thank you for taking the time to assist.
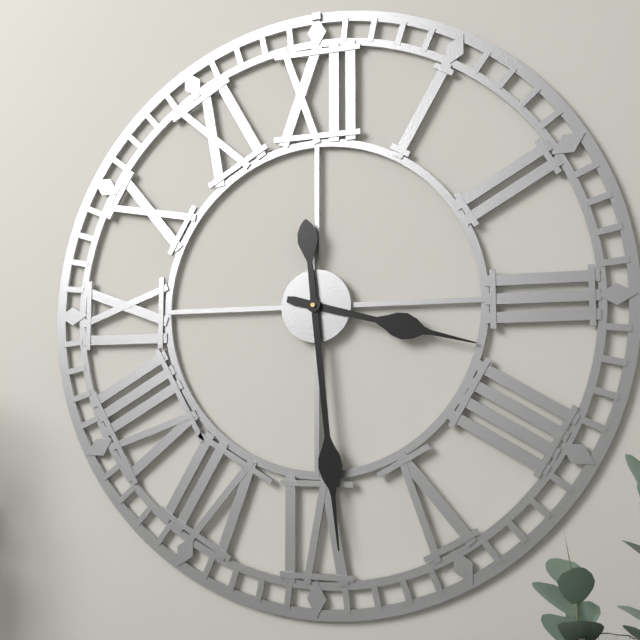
3:29
